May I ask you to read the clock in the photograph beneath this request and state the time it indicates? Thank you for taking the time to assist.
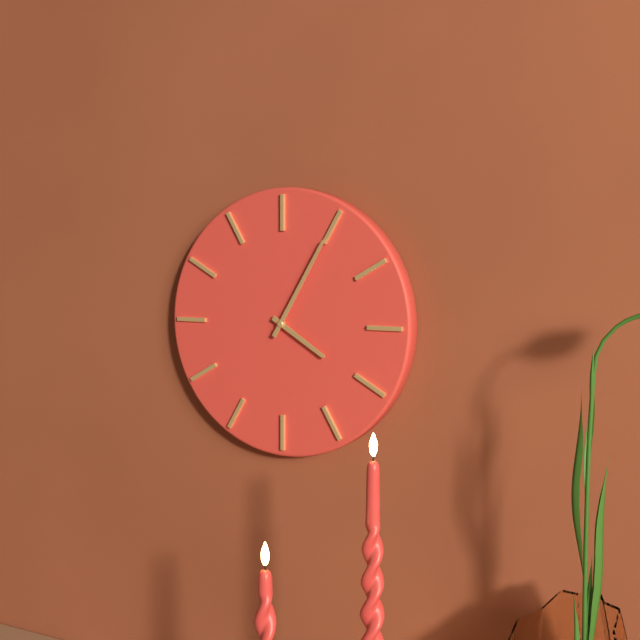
4:05
